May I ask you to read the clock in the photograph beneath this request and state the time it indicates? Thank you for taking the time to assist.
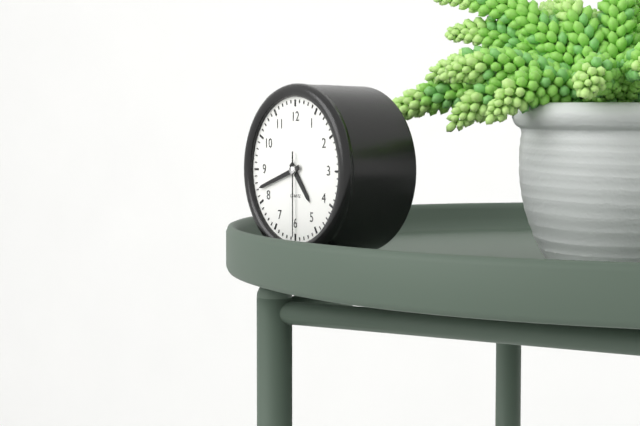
4:42:30
